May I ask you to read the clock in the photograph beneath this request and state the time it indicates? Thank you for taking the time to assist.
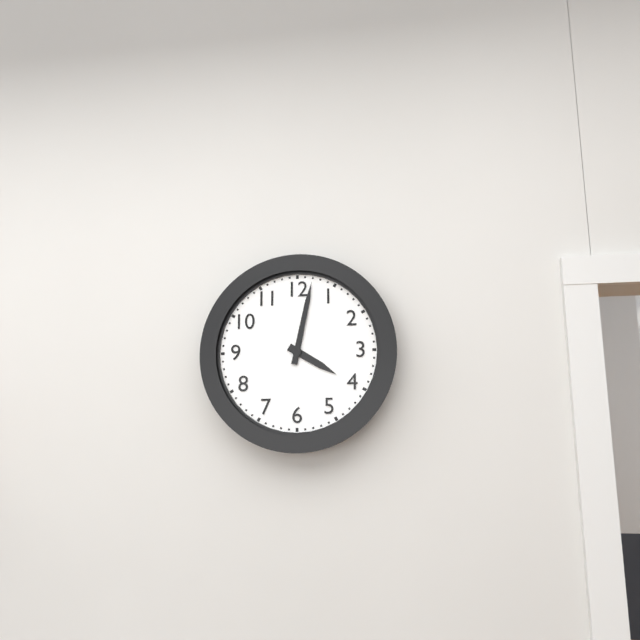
4:02
